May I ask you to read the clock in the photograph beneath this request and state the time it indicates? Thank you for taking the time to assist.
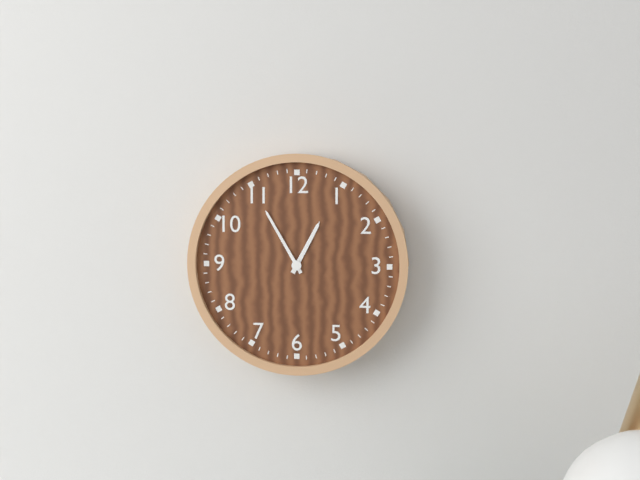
12:55
